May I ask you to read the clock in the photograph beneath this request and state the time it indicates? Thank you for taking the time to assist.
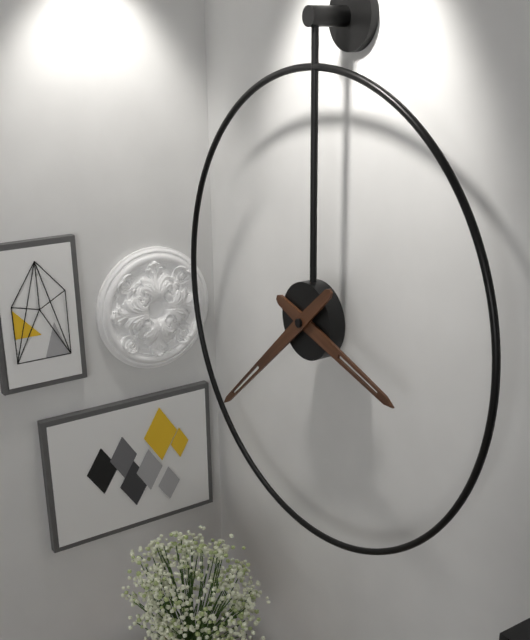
3:38
